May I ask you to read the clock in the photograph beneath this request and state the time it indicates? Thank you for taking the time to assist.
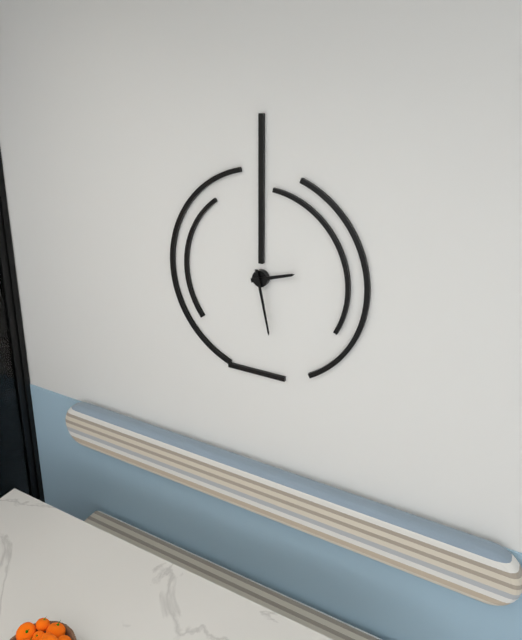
2:28
